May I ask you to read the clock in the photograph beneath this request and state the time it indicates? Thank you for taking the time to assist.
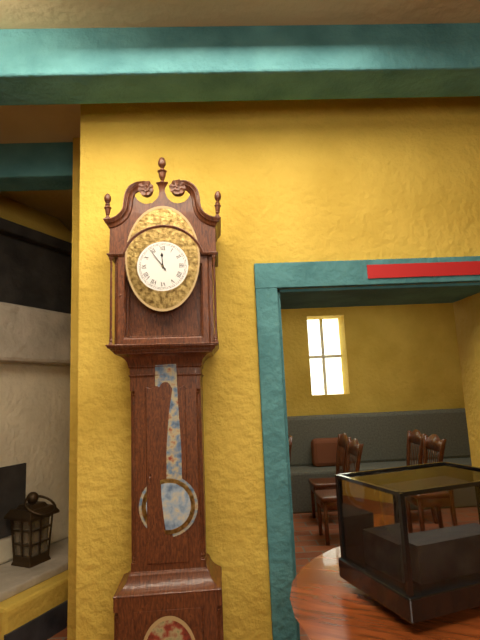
11:54
